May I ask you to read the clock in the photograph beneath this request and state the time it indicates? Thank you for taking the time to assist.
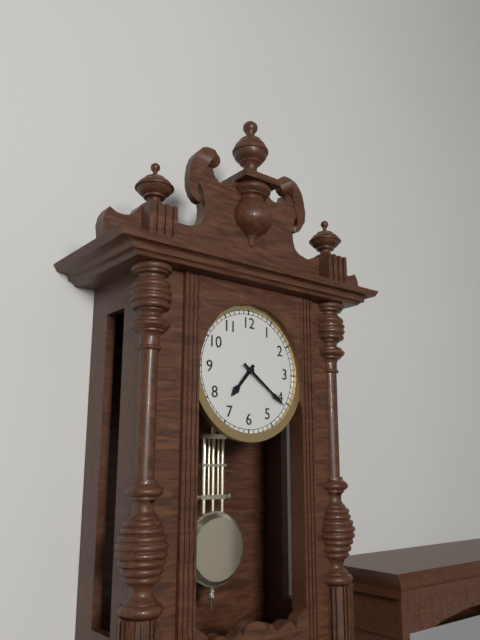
7:21
